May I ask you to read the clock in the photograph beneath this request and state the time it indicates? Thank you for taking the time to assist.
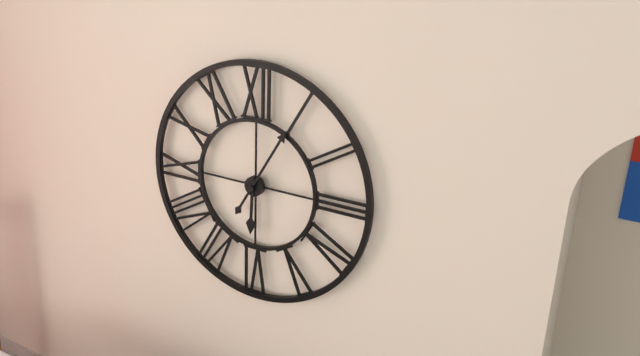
6:05
